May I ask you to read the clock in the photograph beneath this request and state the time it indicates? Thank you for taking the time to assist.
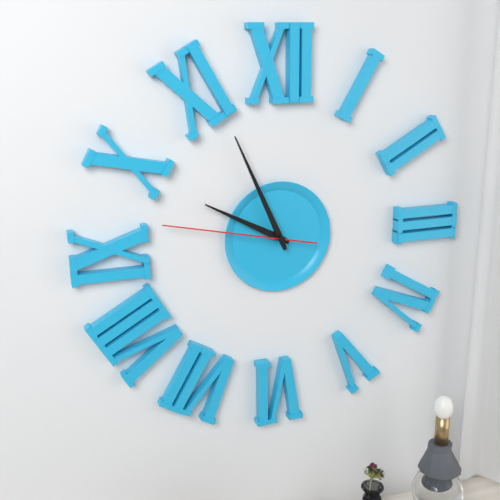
9:56:47
